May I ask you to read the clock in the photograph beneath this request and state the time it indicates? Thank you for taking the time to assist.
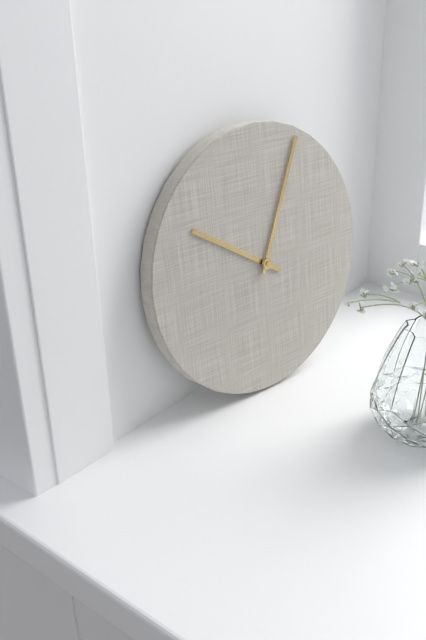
10:04
